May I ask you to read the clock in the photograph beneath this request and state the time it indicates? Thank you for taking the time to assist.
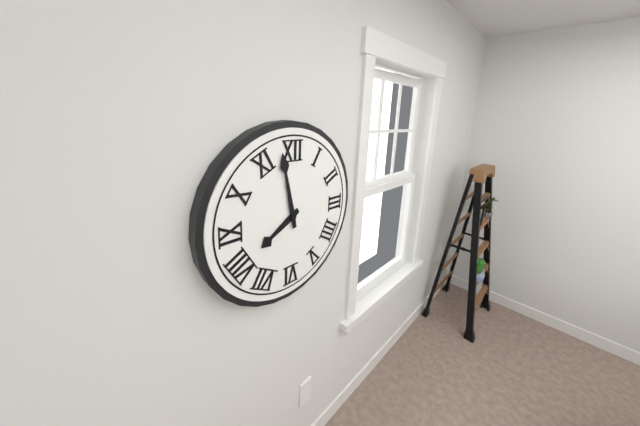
7:58
